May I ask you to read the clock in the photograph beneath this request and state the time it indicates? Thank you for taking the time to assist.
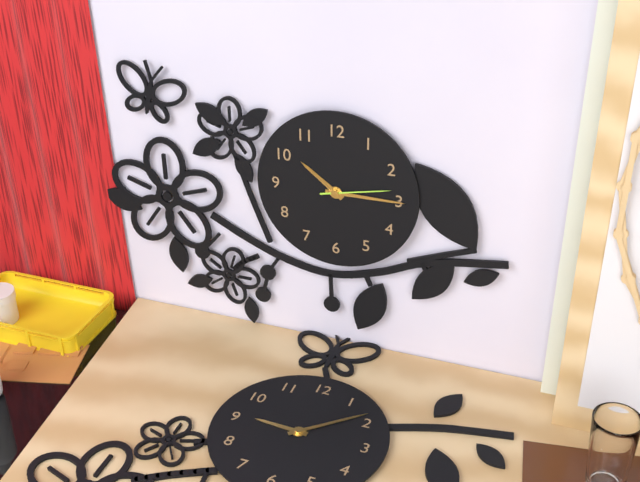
10:15:13
